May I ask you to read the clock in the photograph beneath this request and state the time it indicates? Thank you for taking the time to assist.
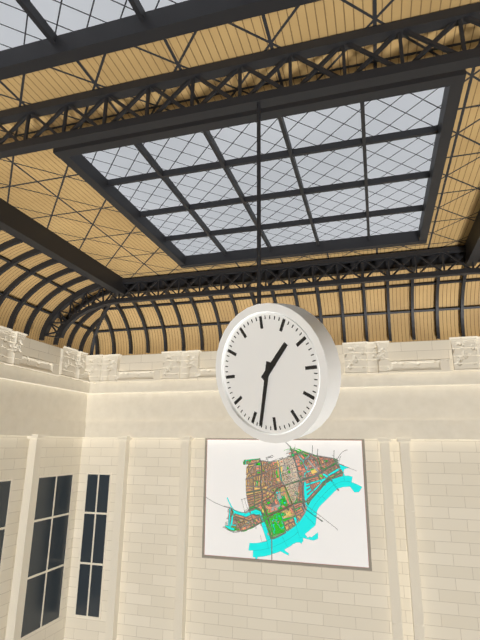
1:33
